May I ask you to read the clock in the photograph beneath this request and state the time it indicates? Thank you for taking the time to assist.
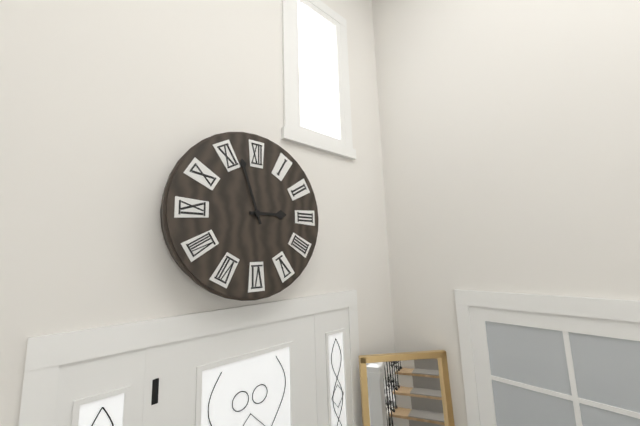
2:57
